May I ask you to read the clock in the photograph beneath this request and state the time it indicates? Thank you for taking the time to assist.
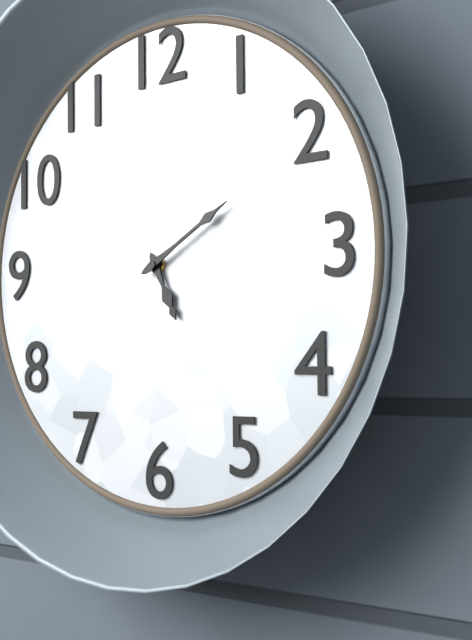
5:10
